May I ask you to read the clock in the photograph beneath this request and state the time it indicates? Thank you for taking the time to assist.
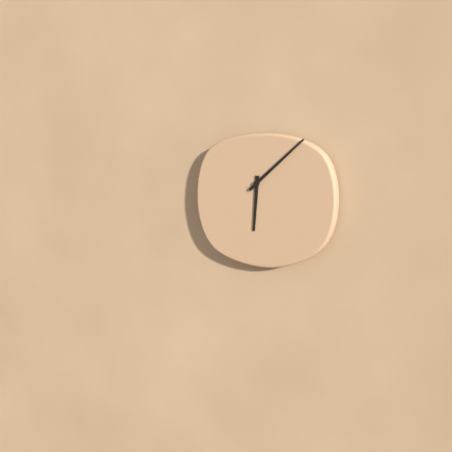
6:08
